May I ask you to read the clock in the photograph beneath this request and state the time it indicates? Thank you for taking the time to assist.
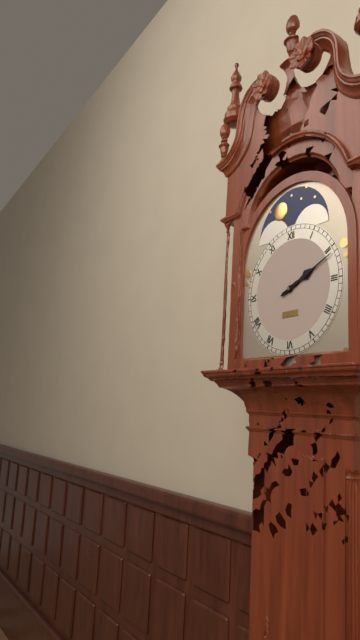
2:11
